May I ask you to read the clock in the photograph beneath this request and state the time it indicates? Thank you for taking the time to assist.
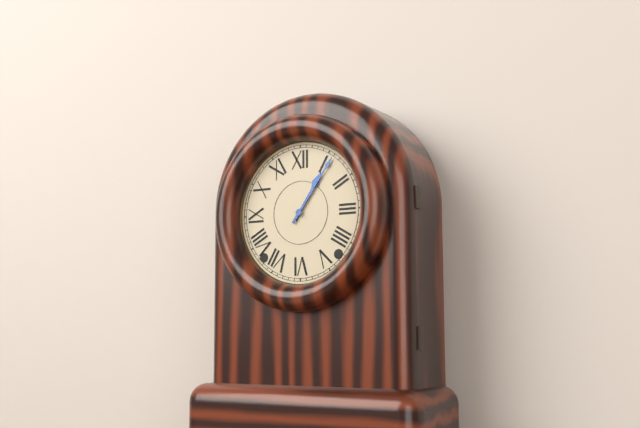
1:06
